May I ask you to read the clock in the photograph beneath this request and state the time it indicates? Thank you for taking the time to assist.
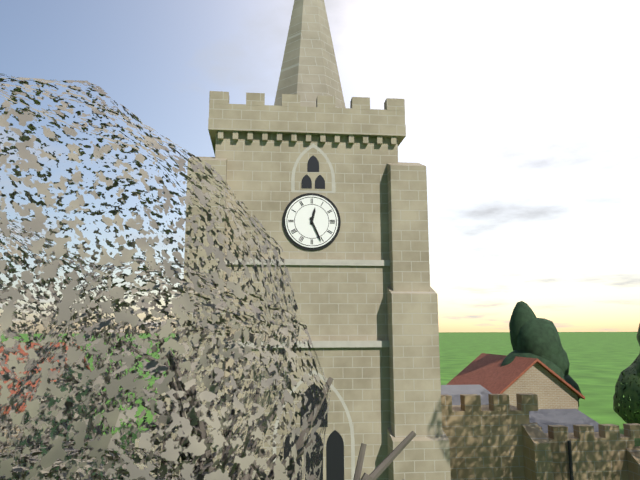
12:26
